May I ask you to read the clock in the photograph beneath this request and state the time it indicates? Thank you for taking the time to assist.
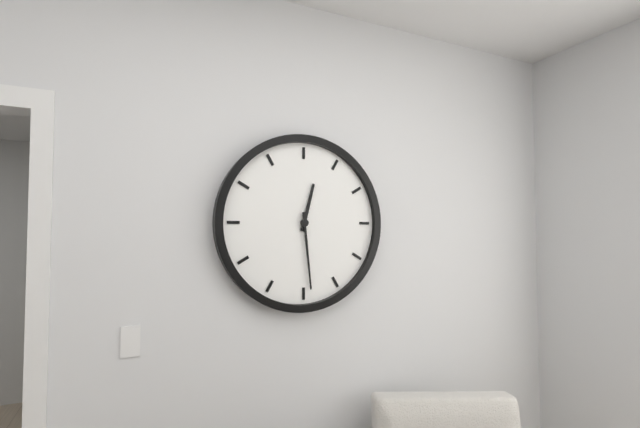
12:29
